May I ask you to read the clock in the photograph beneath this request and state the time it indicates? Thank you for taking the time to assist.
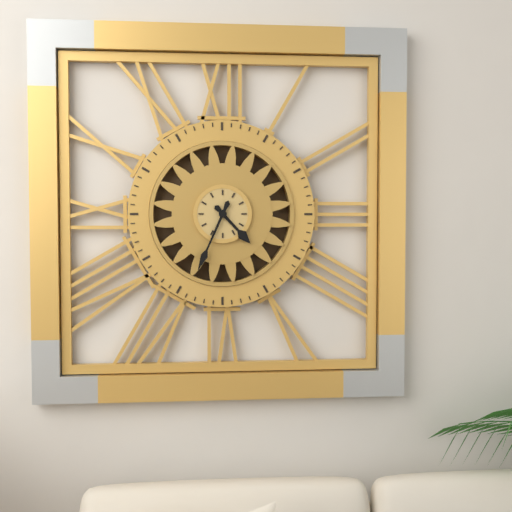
4:34
